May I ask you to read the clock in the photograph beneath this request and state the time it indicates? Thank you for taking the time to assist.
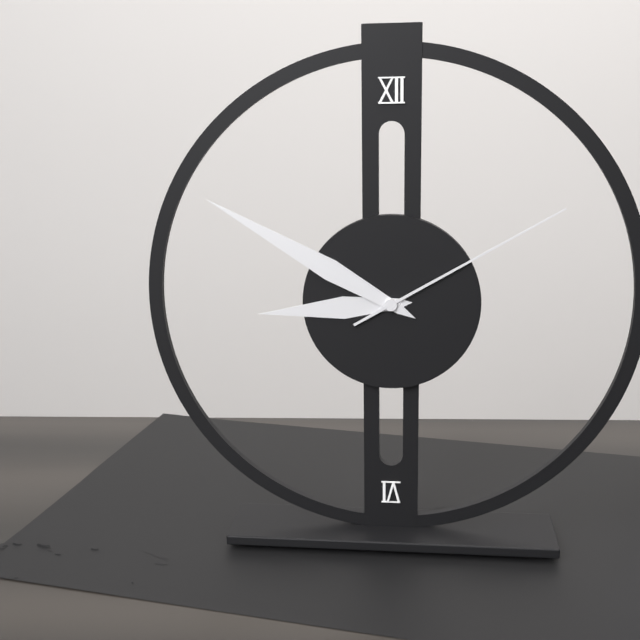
8:50:10
